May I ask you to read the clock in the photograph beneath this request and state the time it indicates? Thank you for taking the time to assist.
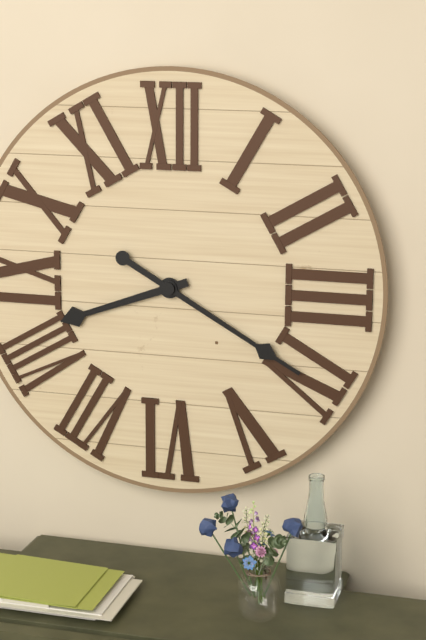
8:20
